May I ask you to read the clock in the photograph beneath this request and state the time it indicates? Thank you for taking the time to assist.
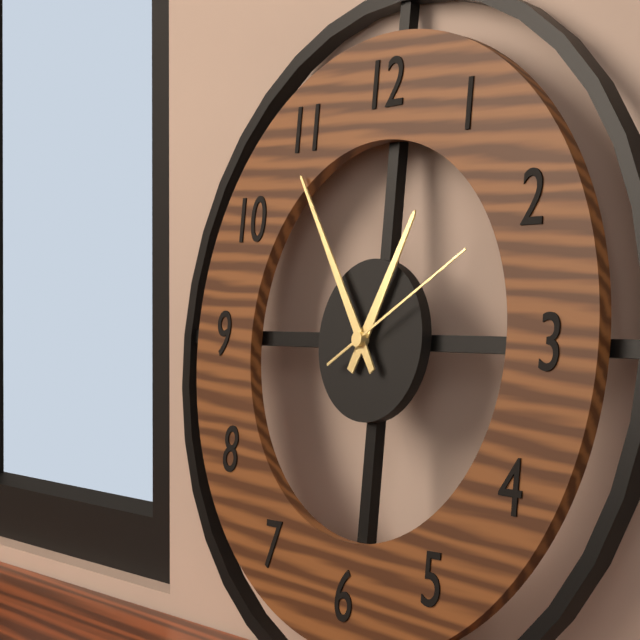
12:54:10
